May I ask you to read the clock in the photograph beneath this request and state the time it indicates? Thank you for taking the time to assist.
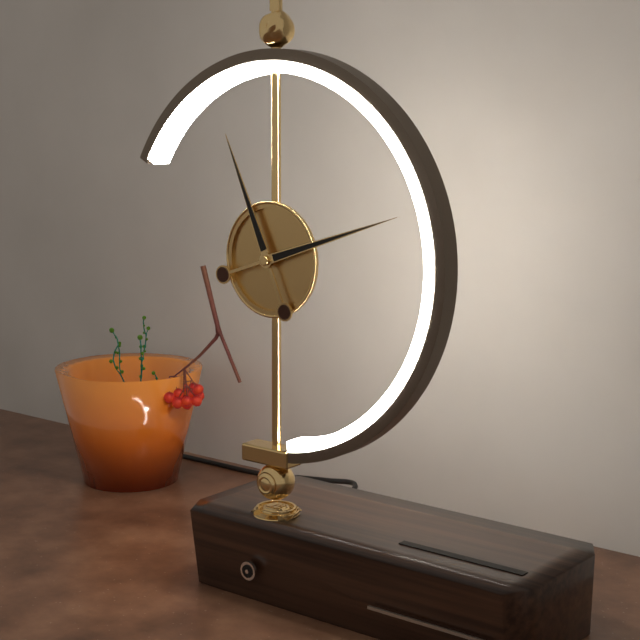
11:12
